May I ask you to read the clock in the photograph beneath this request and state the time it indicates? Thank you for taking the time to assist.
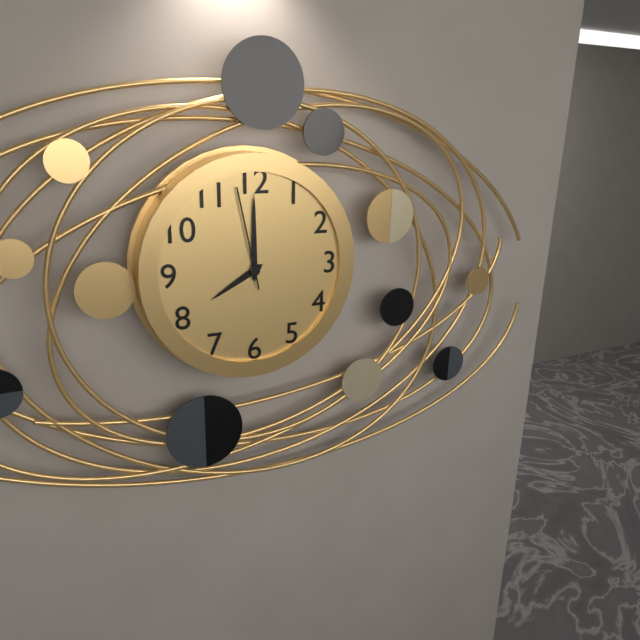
8:00:58
